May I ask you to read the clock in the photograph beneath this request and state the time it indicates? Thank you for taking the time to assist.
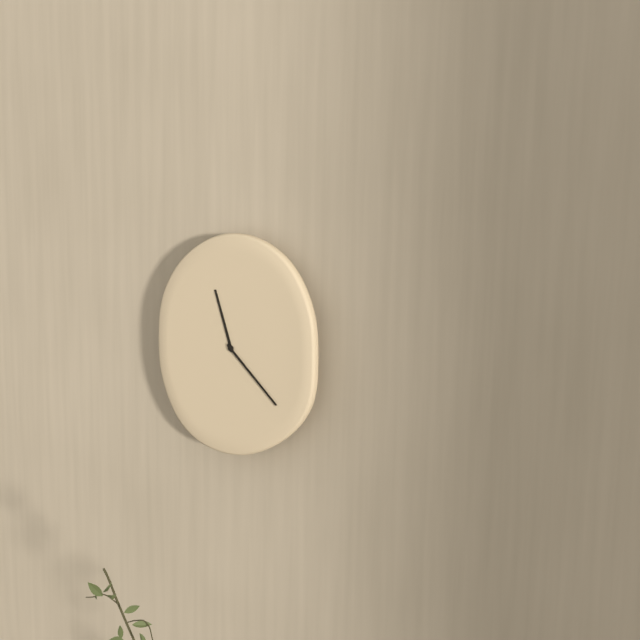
11:22
